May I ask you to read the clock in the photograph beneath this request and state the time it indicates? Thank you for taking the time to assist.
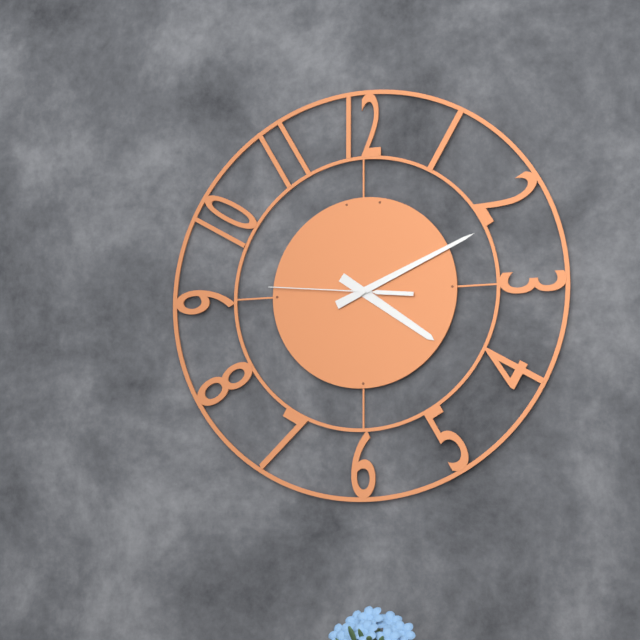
4:11:46
